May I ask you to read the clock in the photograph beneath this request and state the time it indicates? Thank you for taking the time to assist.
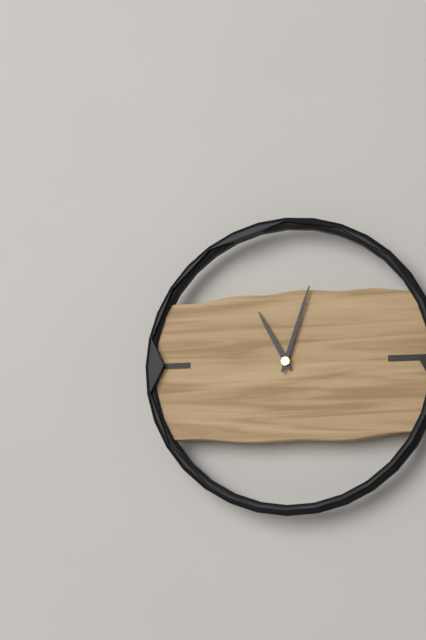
11:03
